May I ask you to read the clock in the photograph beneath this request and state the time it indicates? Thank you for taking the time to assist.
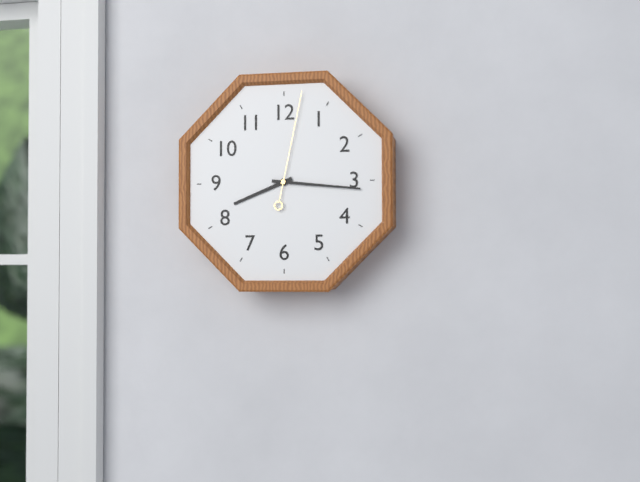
8:16:02
